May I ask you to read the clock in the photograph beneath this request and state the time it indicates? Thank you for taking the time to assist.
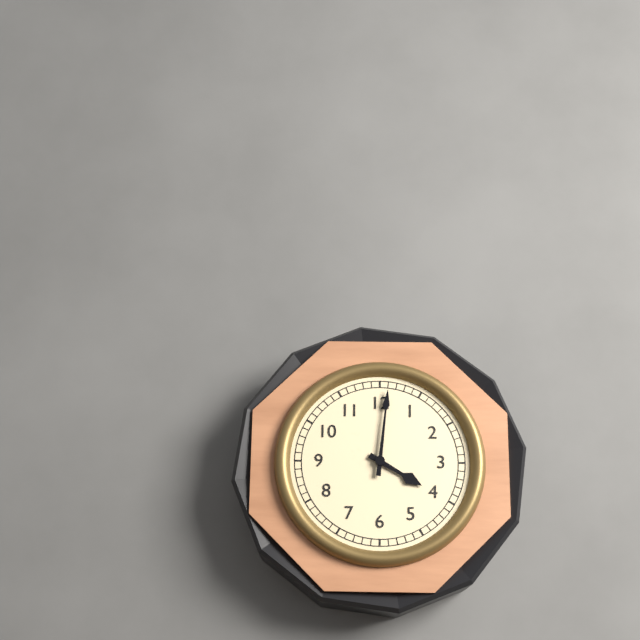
4:01
